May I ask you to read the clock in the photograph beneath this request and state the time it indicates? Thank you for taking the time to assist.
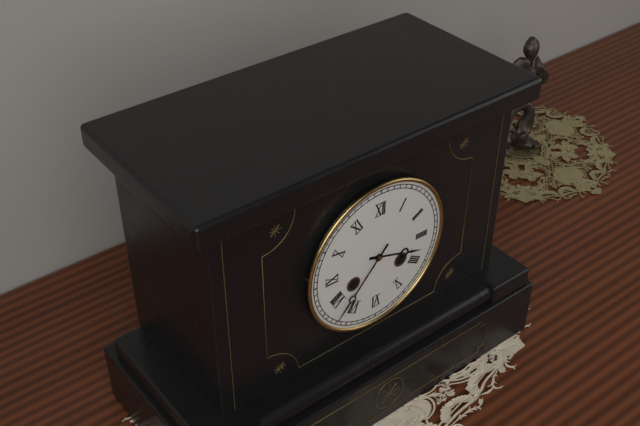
3:37
